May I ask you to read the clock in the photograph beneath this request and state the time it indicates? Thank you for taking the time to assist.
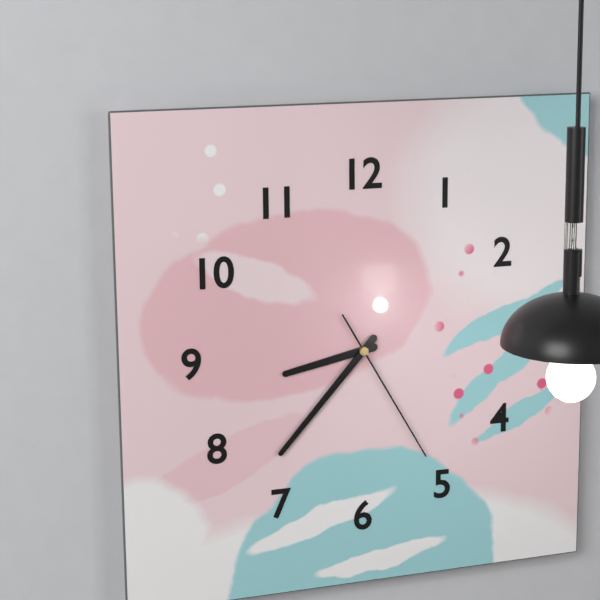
8:37:25
